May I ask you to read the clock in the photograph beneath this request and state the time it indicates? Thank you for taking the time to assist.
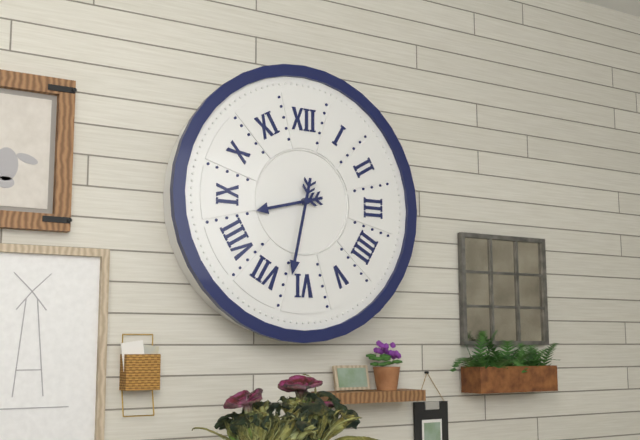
8:32
